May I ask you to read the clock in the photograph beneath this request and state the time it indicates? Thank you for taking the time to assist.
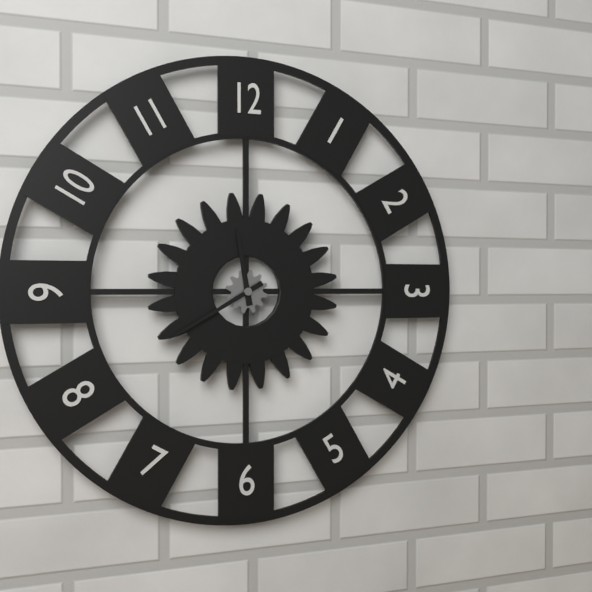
11:40
